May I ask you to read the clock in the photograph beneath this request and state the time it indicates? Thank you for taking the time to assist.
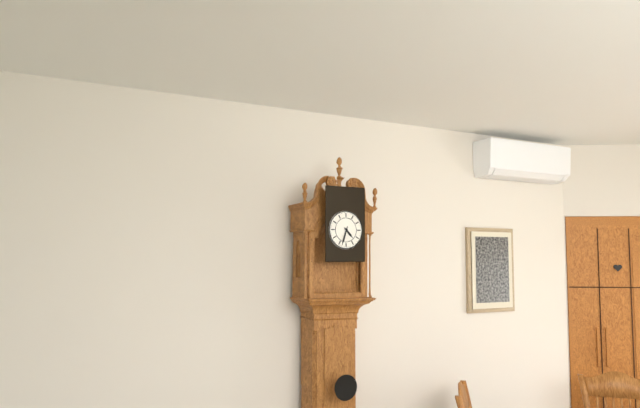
4:33
